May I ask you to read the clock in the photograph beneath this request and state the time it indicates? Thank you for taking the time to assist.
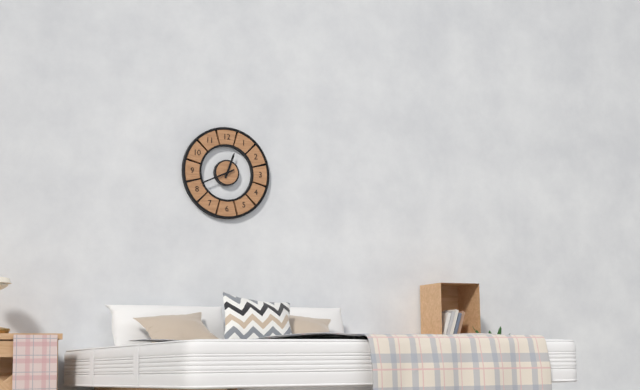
12:41
